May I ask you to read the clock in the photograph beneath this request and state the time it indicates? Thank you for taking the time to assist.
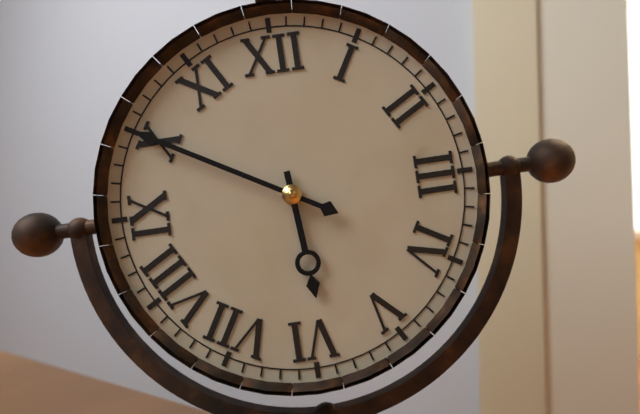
5:50
